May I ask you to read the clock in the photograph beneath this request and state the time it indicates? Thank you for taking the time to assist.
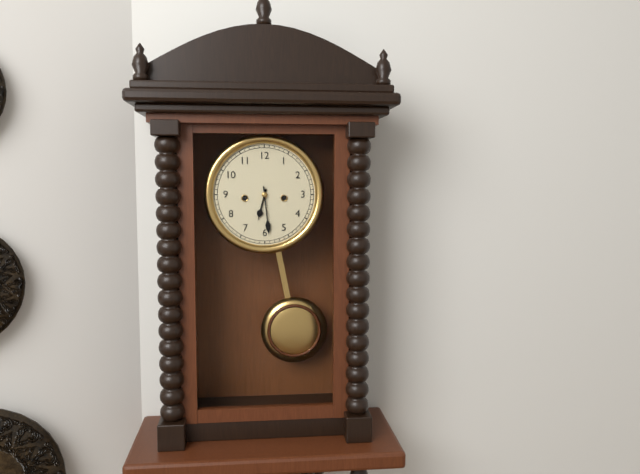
6:29
